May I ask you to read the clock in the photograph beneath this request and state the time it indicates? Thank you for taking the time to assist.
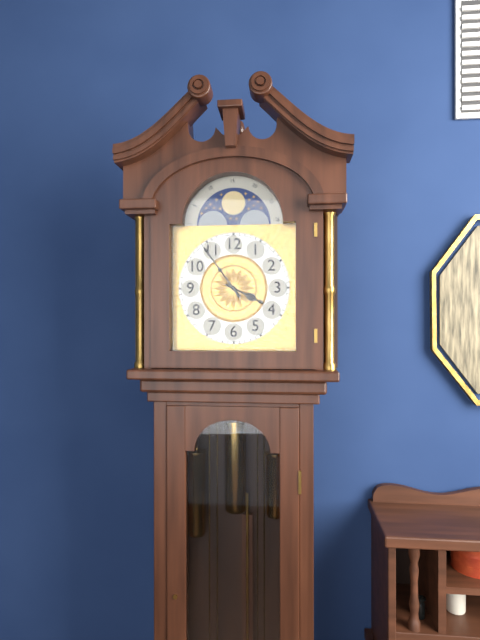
3:54
